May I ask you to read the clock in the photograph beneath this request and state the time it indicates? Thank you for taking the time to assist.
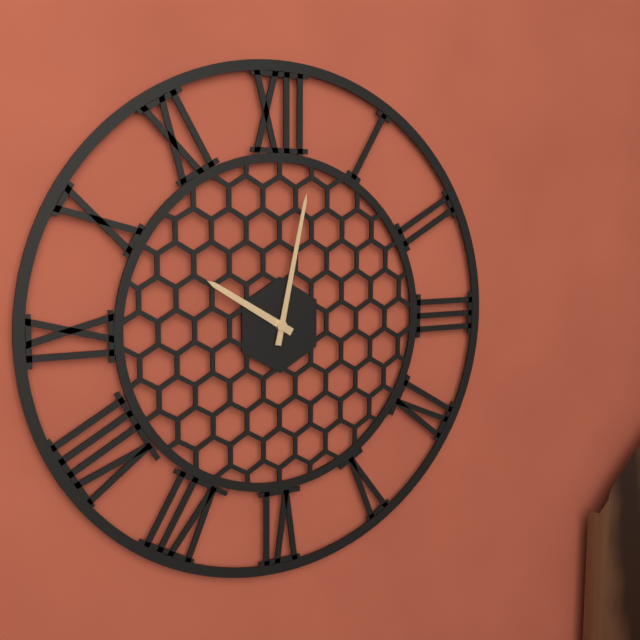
10:02
